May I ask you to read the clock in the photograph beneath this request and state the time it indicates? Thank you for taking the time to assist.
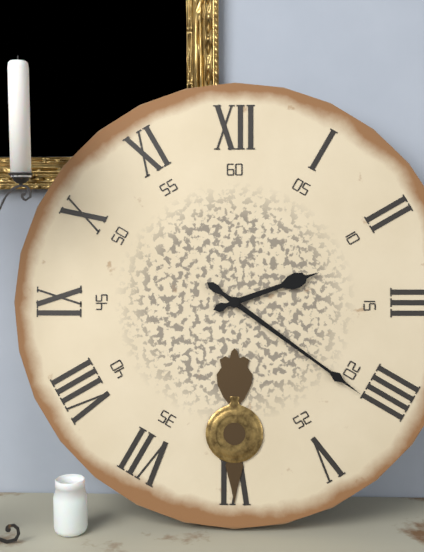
2:21
